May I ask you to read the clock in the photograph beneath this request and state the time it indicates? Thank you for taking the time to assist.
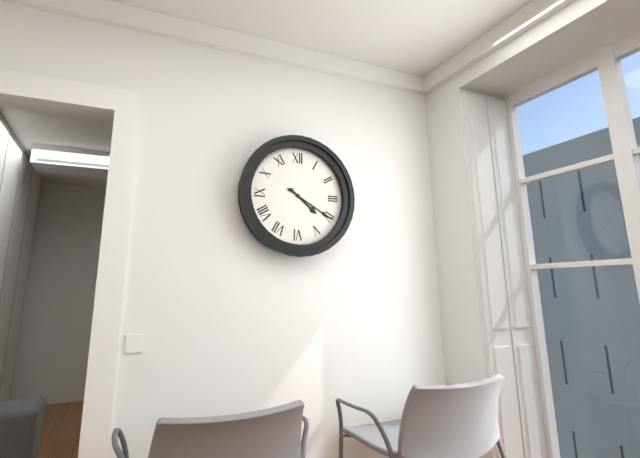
4:20
